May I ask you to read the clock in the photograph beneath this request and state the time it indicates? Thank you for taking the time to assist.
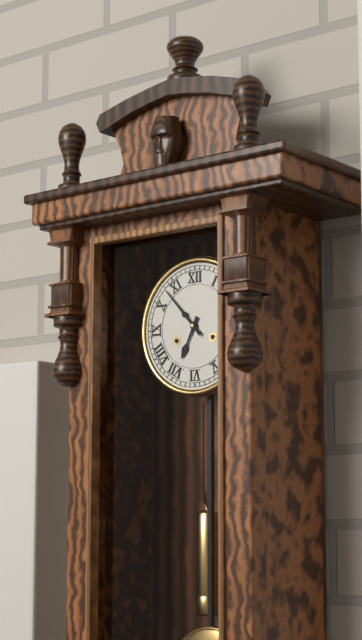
6:53
